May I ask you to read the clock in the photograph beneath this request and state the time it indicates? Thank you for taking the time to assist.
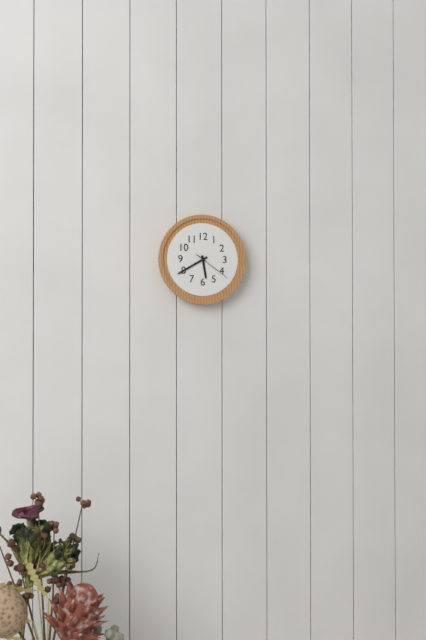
5:40
